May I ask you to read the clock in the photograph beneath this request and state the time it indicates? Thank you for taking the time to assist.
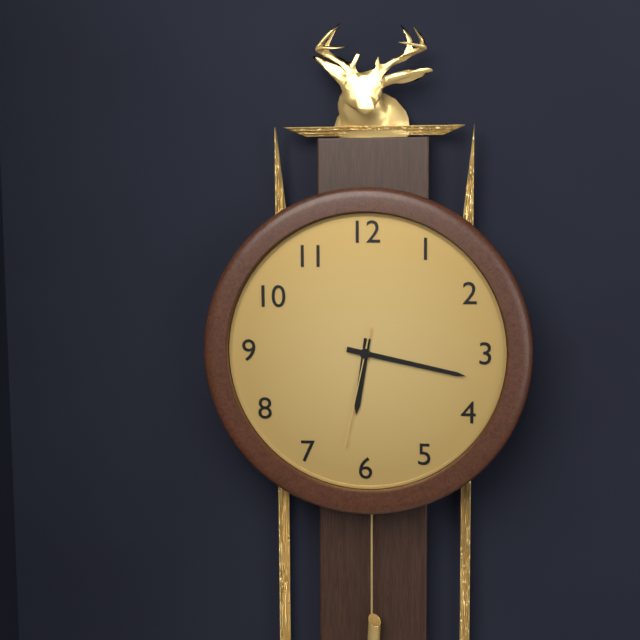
6:17:32
